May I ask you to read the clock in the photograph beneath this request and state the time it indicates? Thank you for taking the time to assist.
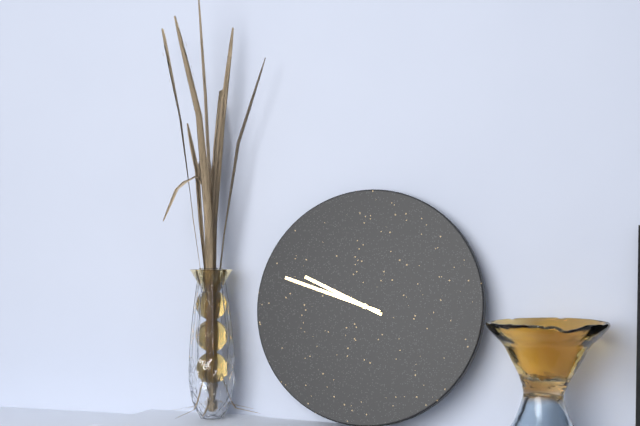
9:48
